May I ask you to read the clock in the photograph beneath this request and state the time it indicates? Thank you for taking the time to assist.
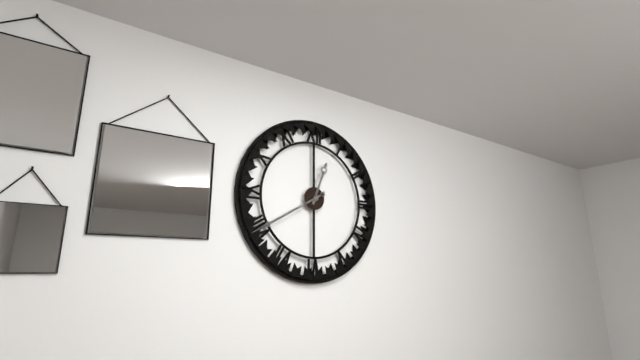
12:40
